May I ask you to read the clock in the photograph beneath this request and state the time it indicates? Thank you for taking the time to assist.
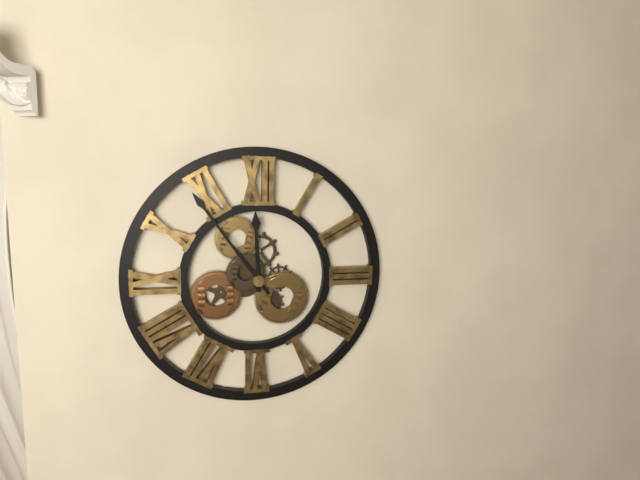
11:54
